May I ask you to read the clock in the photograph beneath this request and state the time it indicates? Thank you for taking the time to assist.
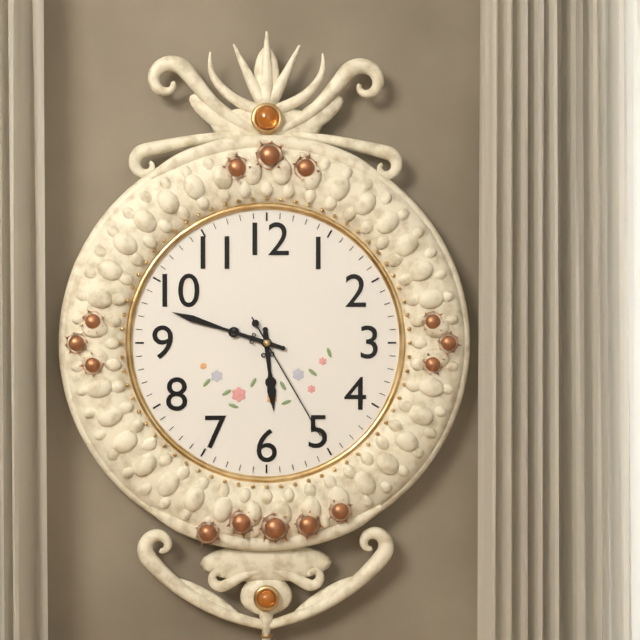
5:48:25
